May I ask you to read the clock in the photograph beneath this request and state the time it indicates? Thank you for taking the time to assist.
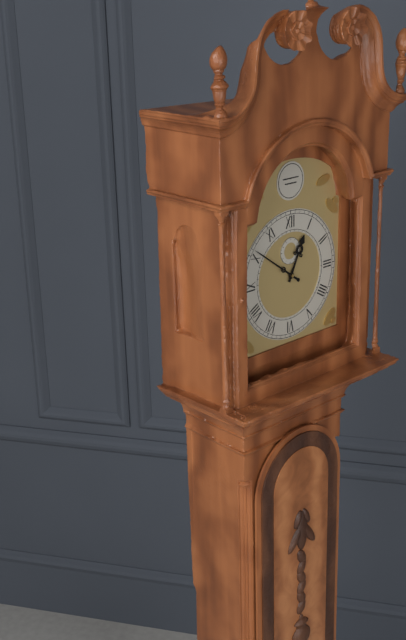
12:51
